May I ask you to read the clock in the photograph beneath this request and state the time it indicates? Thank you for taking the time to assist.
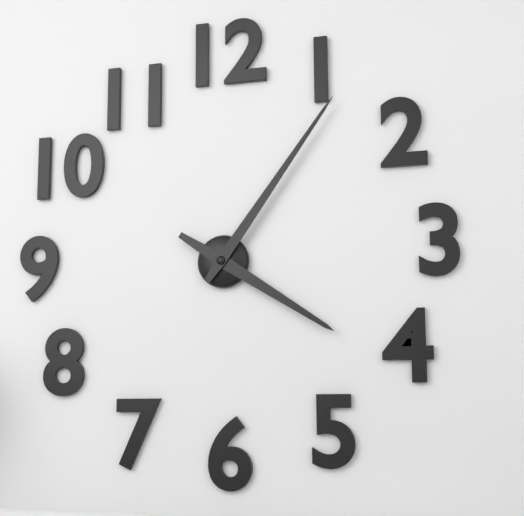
4:06
